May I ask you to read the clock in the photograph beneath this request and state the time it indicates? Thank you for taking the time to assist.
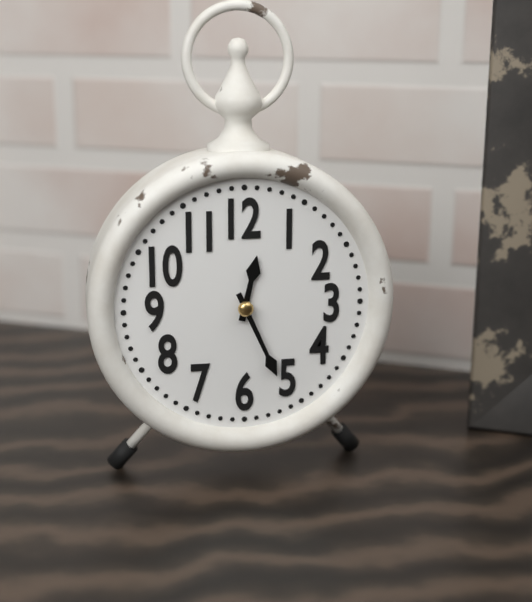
12:26
